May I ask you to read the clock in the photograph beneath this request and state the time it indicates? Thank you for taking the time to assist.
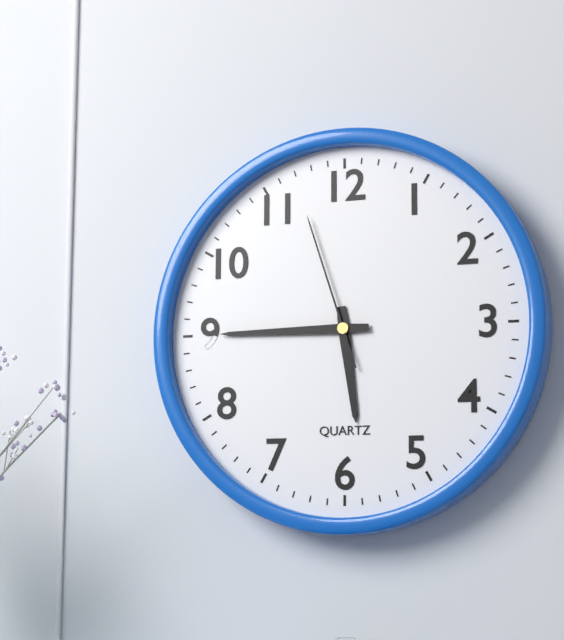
5:45:57
